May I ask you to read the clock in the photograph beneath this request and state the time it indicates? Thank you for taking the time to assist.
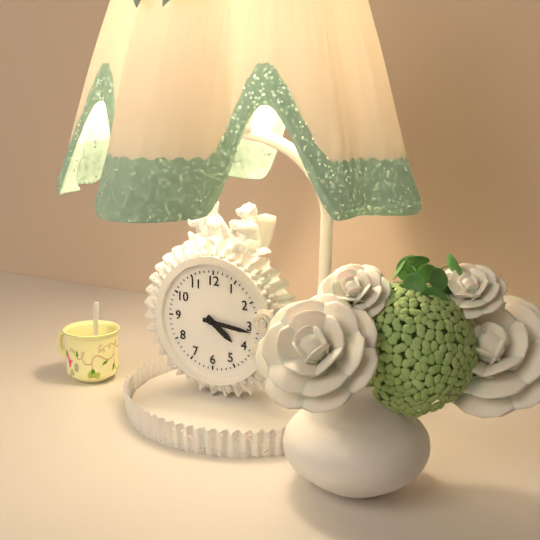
4:16
